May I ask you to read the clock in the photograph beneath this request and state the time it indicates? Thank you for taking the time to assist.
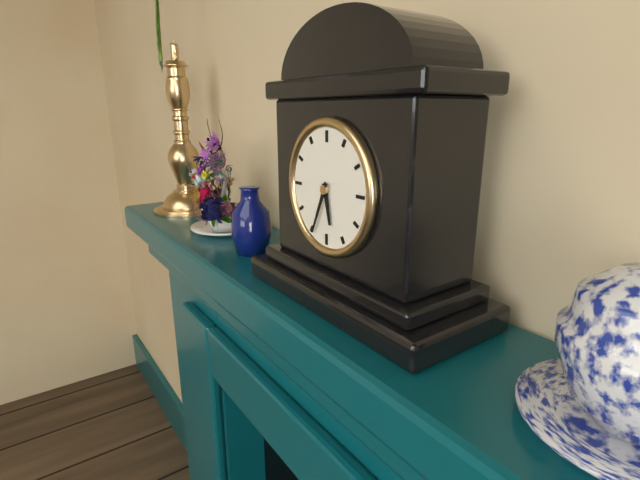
5:34
